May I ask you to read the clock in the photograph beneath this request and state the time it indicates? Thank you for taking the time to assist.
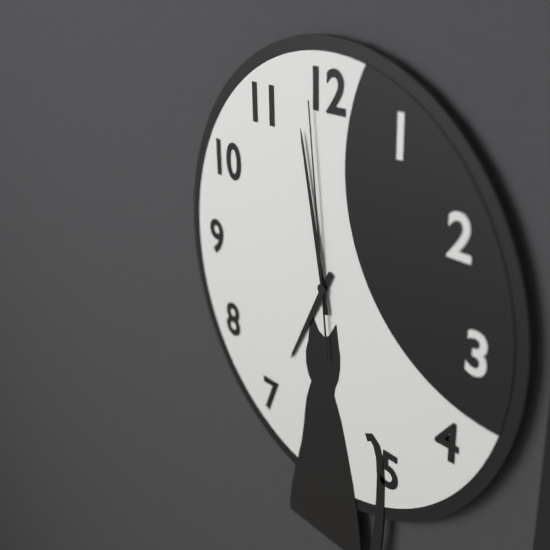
6:58:59
